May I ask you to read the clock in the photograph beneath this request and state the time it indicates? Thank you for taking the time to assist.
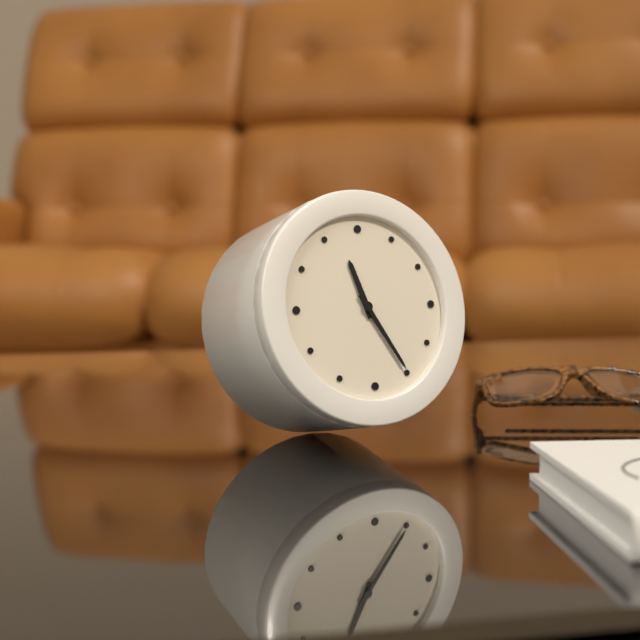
11:25
